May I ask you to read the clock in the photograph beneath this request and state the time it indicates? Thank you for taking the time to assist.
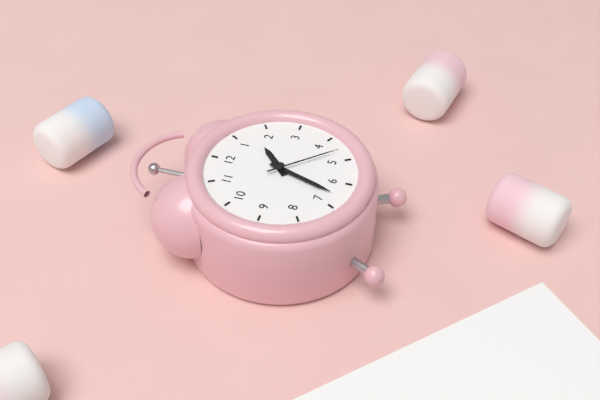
1:33:23
